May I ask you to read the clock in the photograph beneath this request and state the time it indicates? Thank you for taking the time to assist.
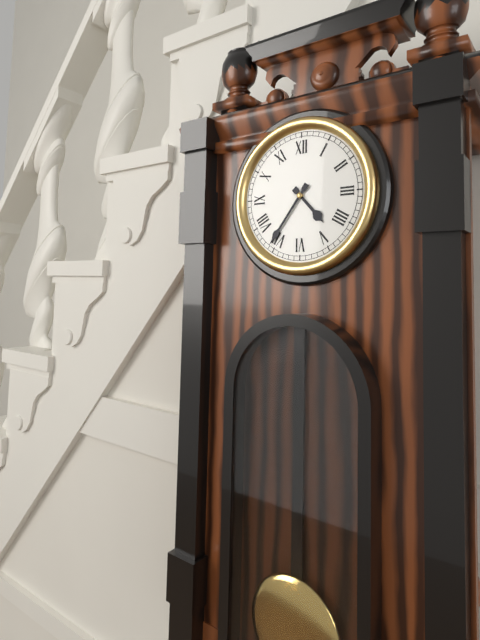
4:36
